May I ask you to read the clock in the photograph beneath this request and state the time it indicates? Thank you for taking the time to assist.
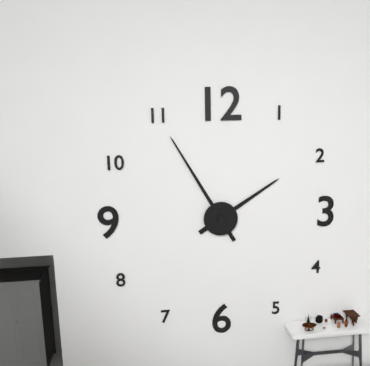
1:55
